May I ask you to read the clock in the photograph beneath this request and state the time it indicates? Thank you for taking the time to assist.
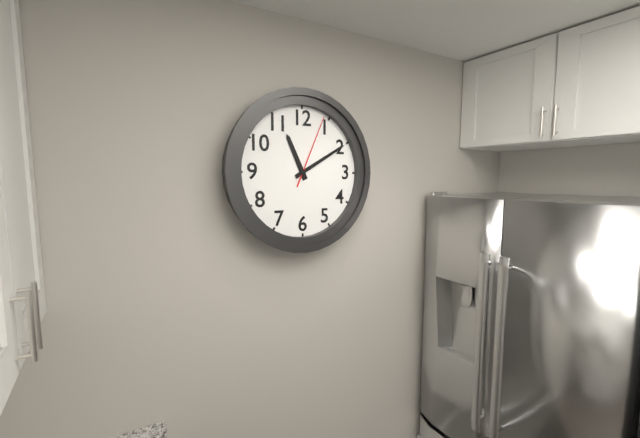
11:10:04
